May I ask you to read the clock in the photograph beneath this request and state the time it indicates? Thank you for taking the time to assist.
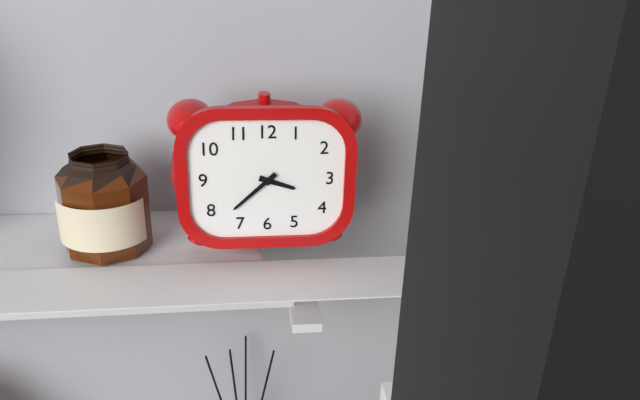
3:38
